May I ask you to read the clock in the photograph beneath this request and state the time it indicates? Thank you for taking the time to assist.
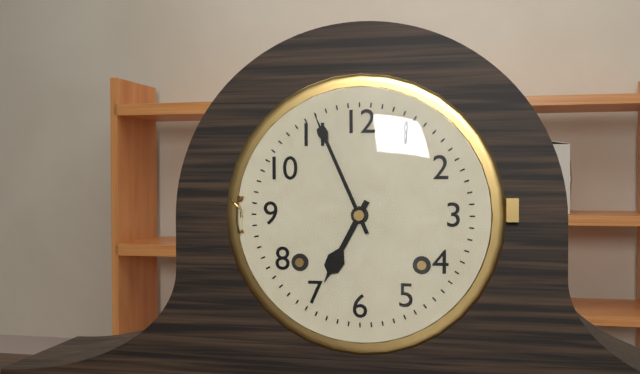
6:56
